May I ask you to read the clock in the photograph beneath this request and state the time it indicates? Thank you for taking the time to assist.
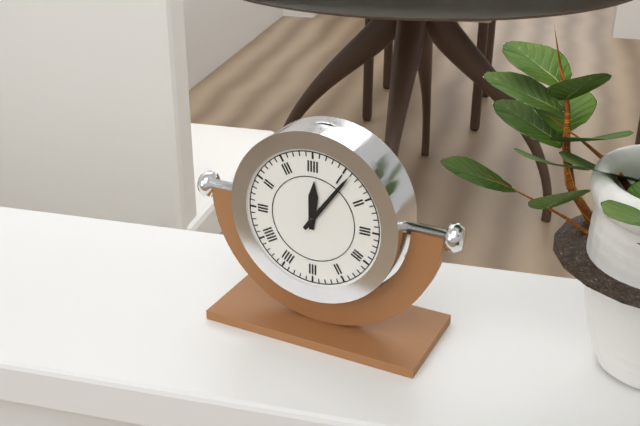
12:06
